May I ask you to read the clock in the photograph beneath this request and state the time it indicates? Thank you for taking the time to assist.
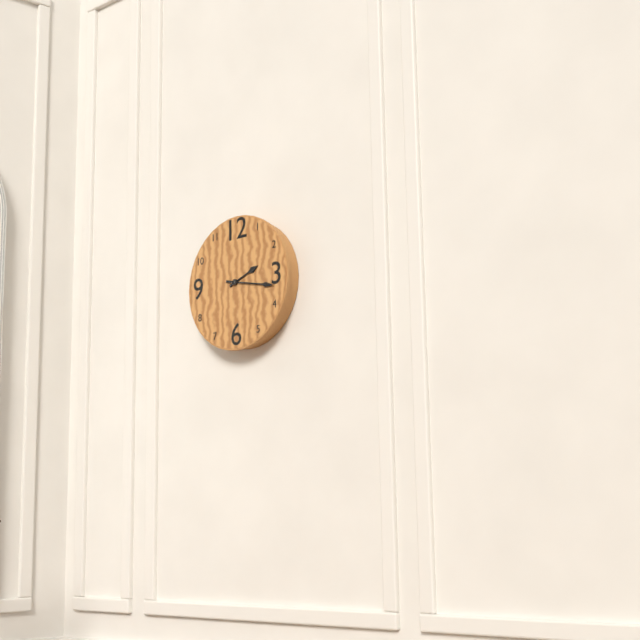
2:17
